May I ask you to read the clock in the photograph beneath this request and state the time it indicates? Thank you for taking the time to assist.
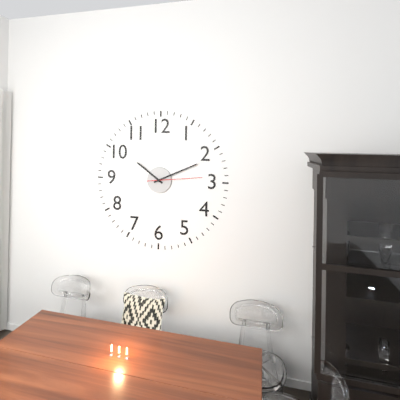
10:11:14
